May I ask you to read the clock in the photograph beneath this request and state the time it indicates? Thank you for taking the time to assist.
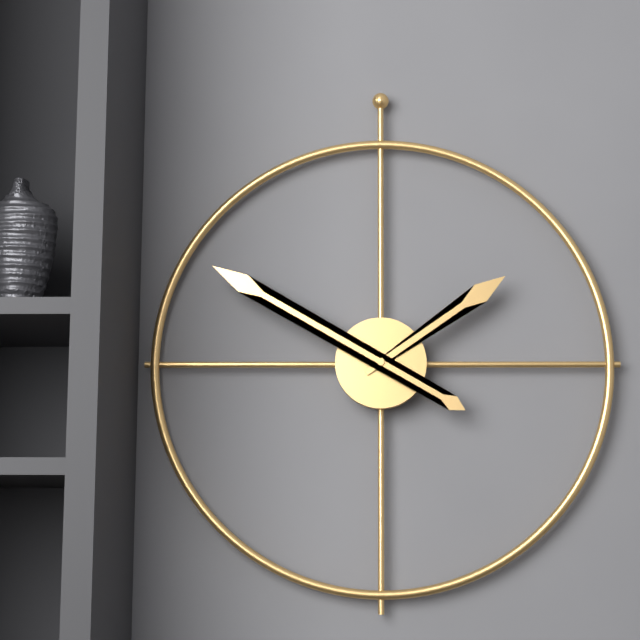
1:50
